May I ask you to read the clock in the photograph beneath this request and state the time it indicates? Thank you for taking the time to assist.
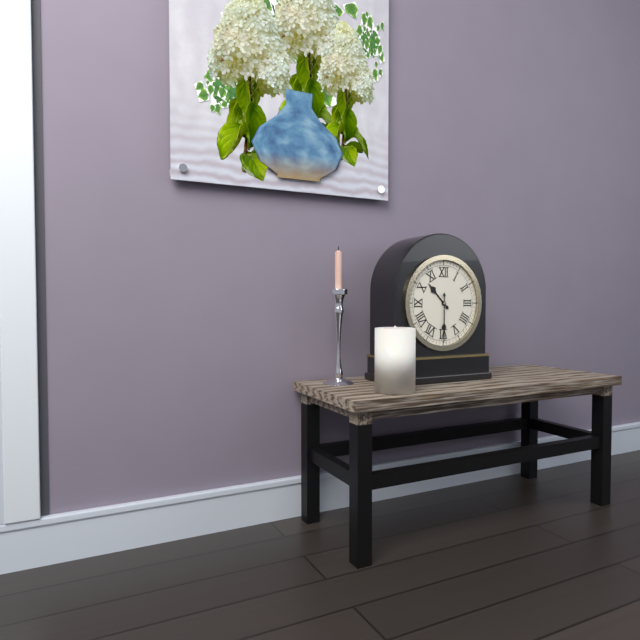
10:30
